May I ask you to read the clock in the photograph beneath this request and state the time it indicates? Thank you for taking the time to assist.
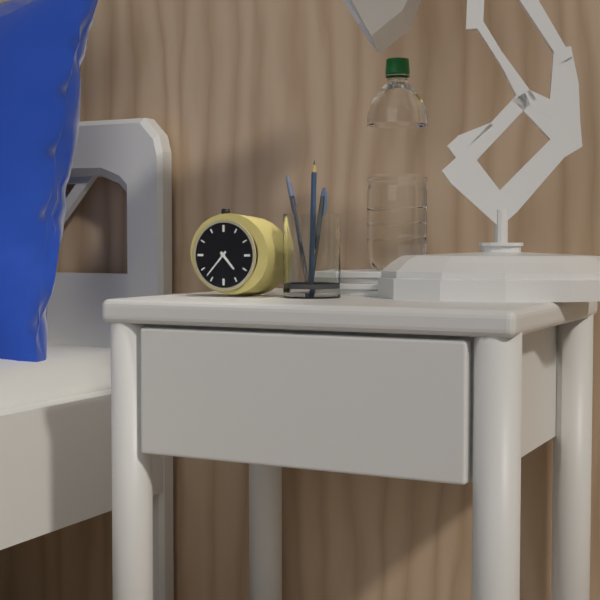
4:37
